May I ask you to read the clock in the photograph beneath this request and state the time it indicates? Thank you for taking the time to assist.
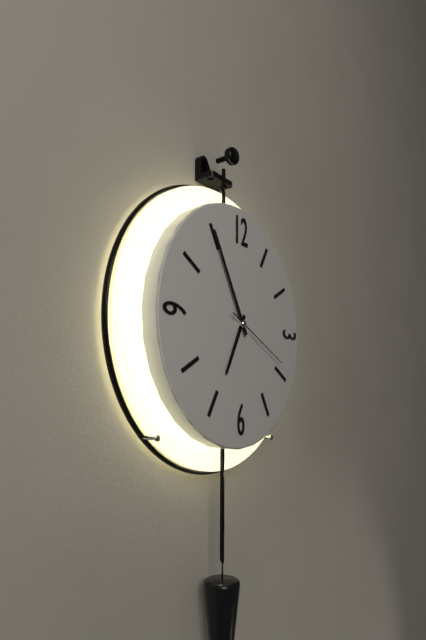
6:55:19
